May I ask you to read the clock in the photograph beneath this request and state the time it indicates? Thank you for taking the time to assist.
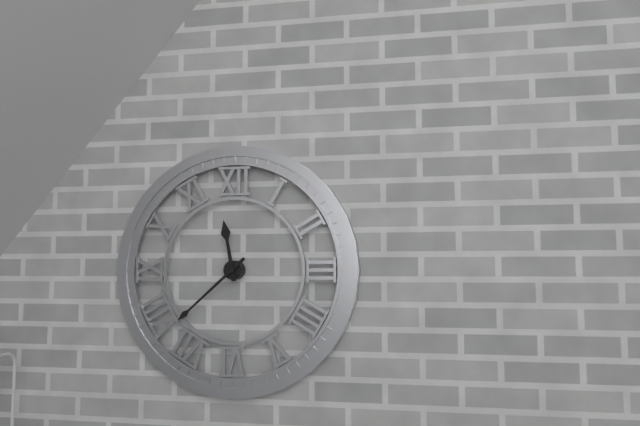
11:38
